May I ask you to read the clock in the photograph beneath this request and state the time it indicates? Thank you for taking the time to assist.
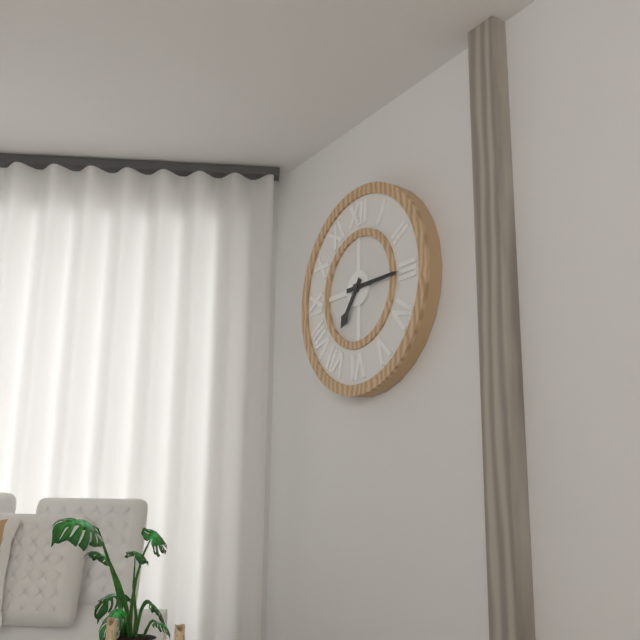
7:15
